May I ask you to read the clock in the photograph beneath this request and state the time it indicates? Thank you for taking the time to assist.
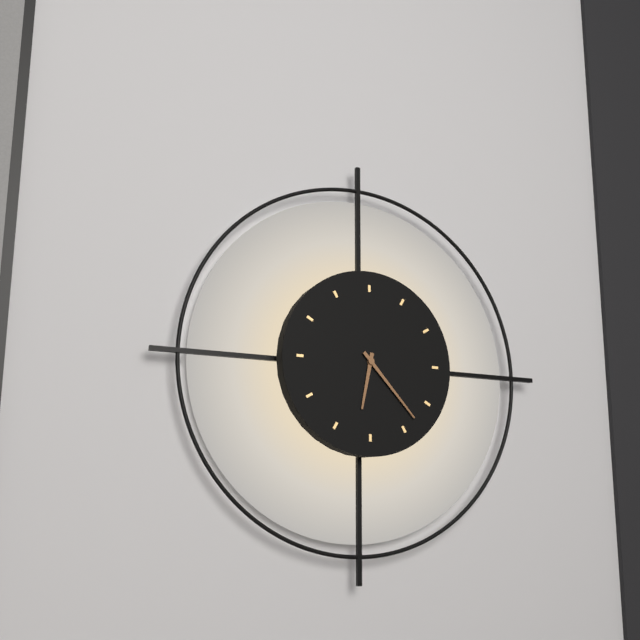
6:23
